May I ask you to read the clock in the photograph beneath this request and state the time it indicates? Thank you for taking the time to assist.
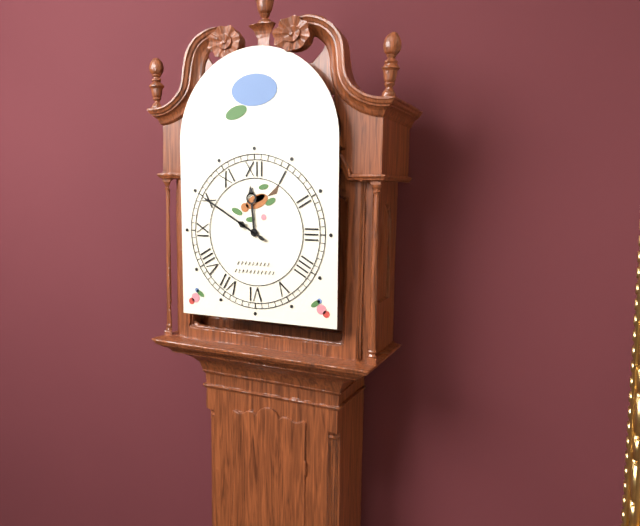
11:50
